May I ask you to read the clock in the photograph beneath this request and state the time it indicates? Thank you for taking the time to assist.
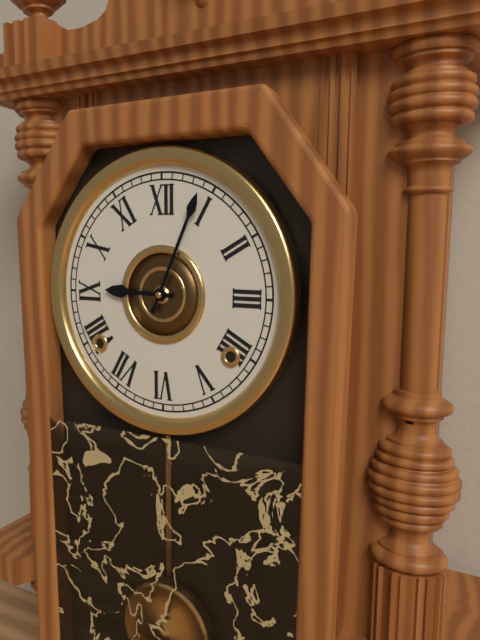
9:04
